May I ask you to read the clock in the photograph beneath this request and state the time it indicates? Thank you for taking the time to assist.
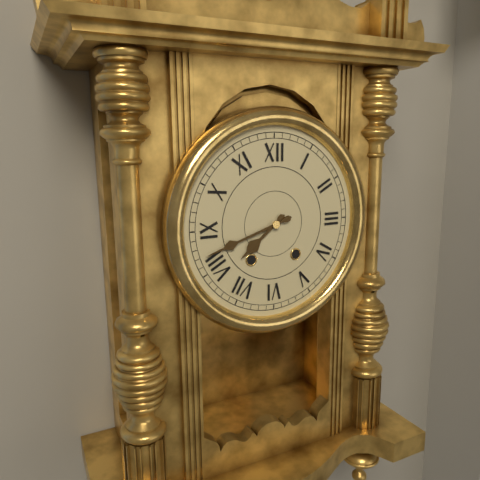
7:42
